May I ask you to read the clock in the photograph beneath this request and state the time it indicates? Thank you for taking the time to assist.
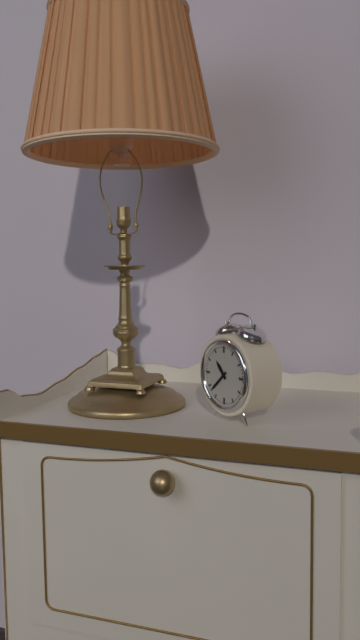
10:38
